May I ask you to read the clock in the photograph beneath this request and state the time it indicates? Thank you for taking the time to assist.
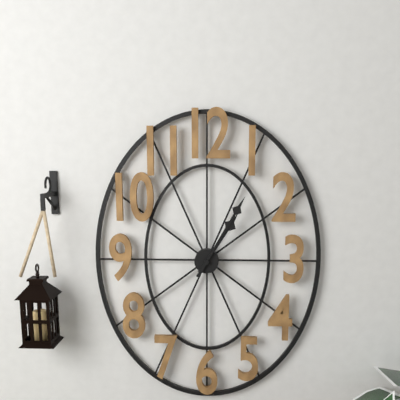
1:05
